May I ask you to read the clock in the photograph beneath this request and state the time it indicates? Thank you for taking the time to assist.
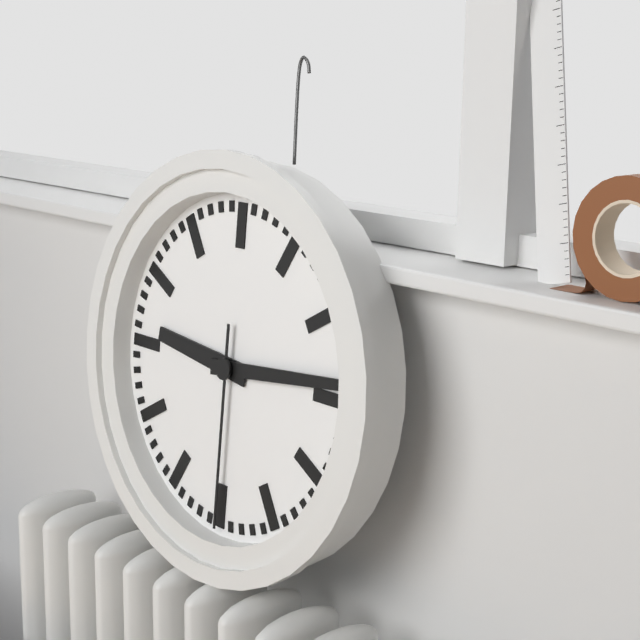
9:14:30
